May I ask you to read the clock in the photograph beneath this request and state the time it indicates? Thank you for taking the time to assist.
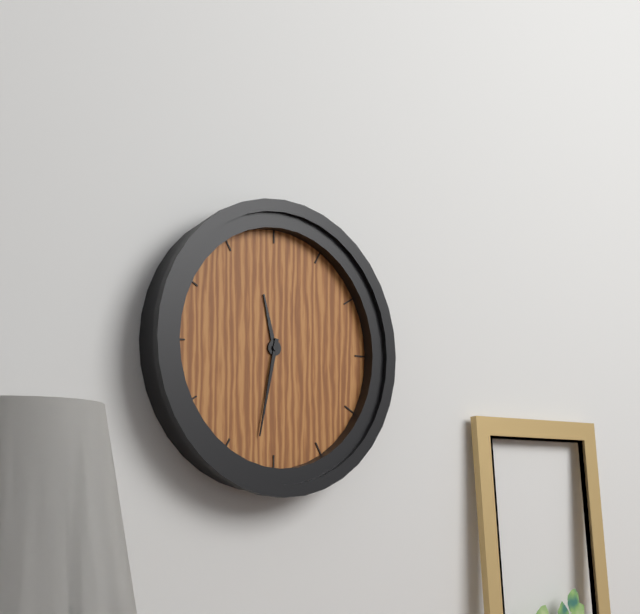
11:32
